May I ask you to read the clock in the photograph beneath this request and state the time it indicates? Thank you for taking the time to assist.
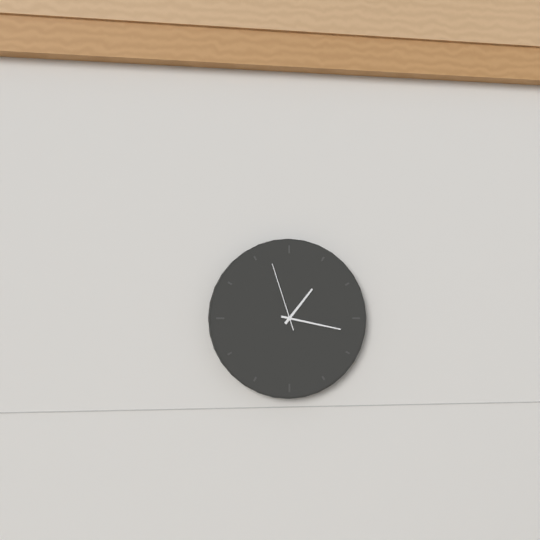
1:17:57
